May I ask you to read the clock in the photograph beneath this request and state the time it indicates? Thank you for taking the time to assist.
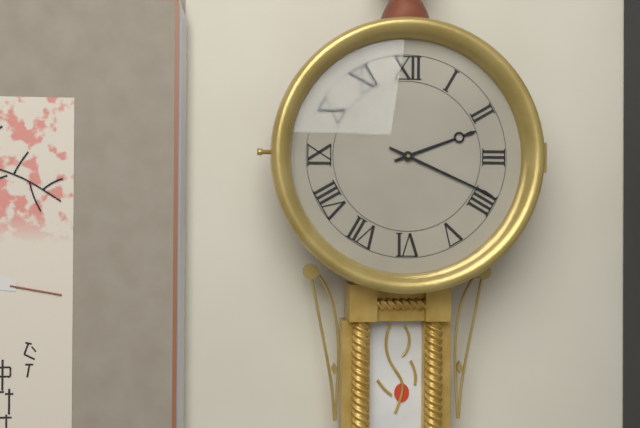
2:19
